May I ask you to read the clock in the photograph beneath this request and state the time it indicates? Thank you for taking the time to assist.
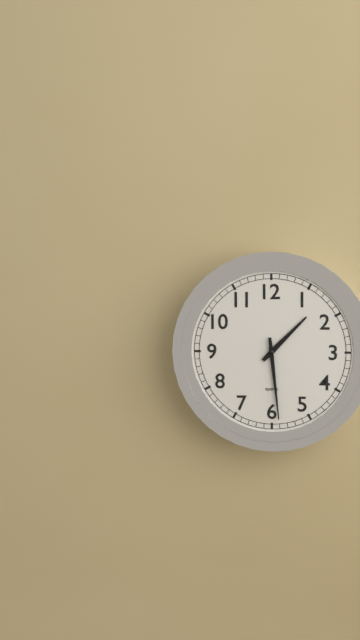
1:29
